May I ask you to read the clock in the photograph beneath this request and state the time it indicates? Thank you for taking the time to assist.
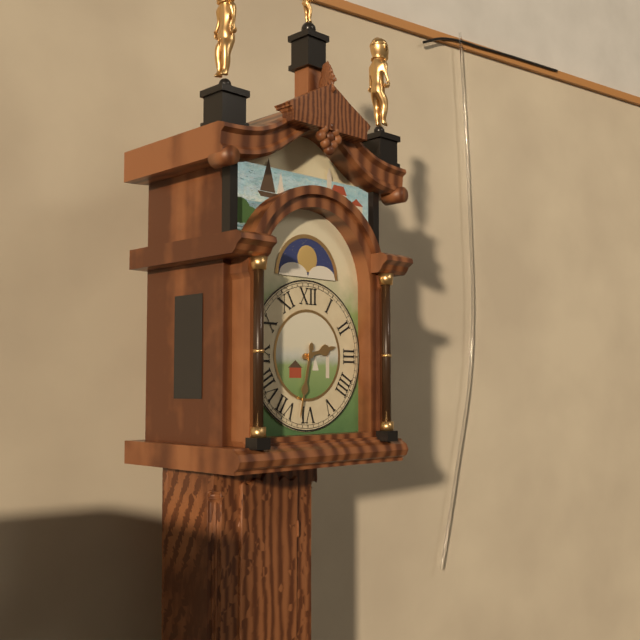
2:32
